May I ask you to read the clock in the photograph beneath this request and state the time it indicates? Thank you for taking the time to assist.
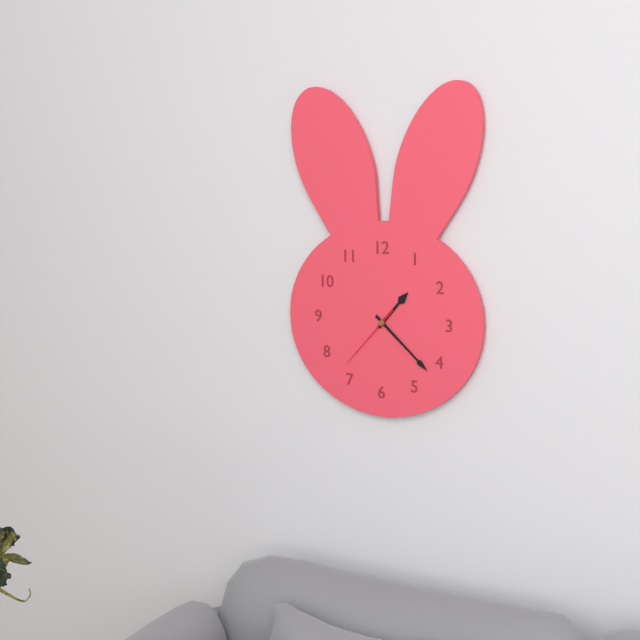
1:22:37
